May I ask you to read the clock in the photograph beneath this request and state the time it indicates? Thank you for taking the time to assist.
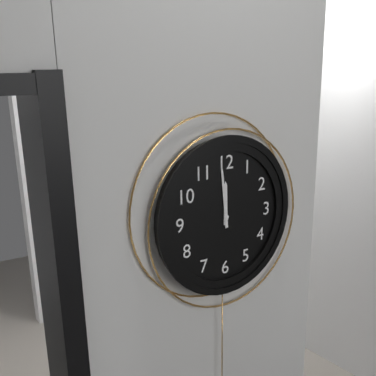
11:59
